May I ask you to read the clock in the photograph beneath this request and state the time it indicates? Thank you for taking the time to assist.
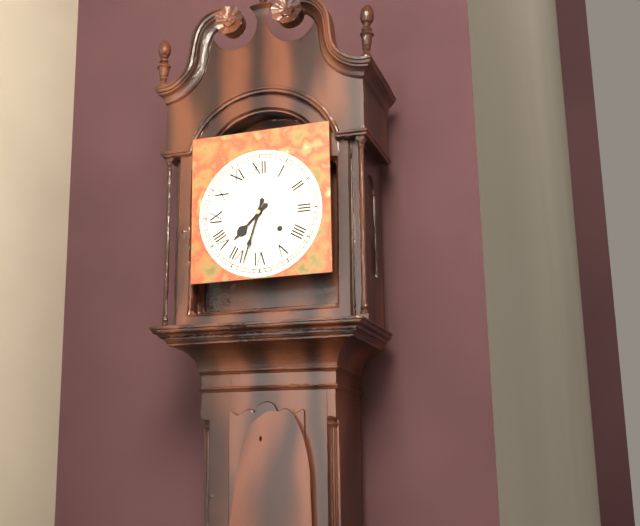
7:33
